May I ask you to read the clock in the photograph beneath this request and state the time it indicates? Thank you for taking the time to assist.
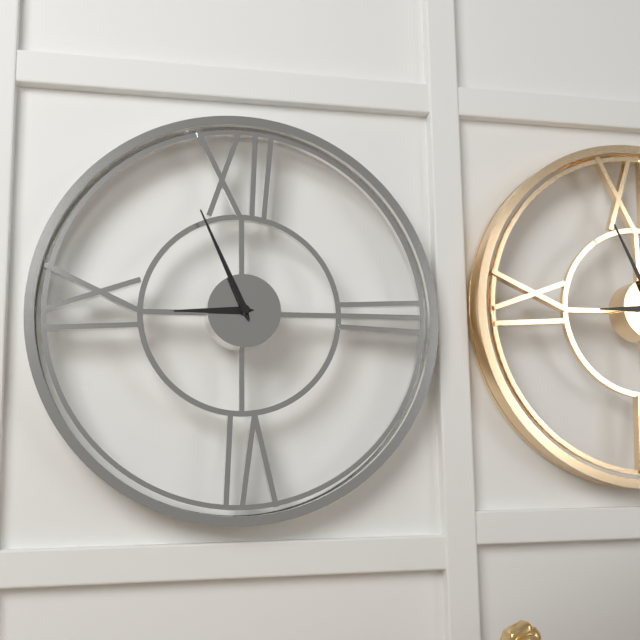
8:56
